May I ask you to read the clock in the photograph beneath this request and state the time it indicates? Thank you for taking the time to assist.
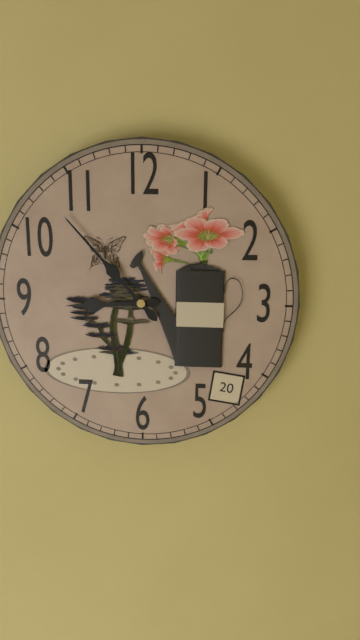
8:53
